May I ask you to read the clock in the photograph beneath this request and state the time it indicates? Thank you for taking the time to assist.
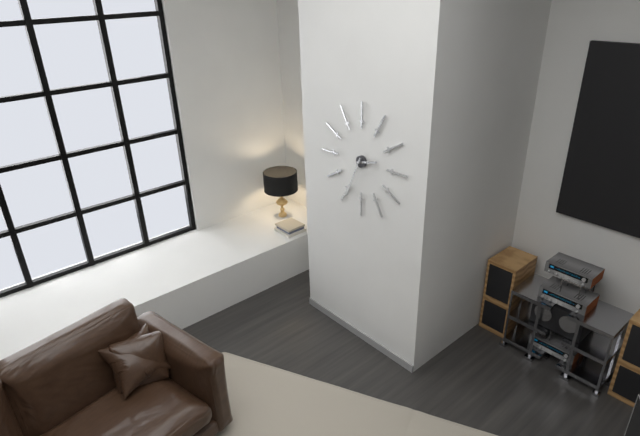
2:34
